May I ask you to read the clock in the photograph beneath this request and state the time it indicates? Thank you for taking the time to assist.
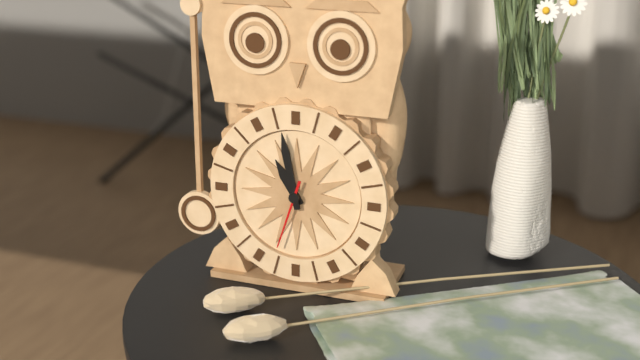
10:58:33
